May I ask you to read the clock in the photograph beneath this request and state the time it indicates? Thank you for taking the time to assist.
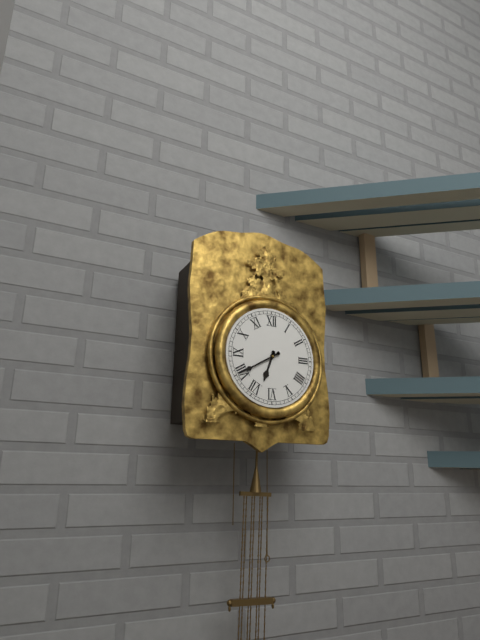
6:40
